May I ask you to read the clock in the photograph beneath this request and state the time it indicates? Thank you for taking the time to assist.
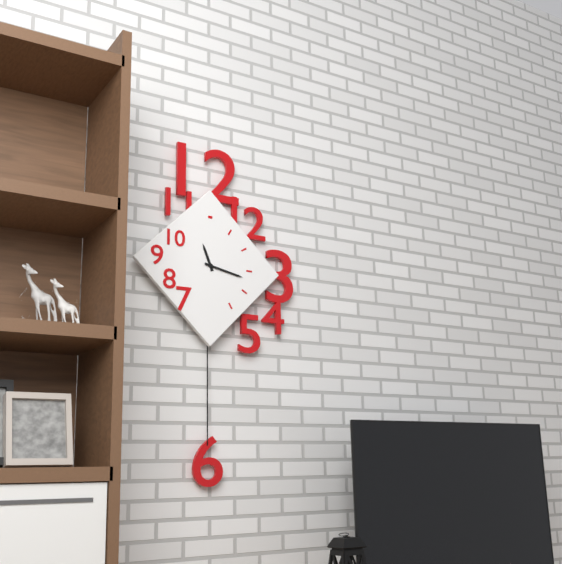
11:17
